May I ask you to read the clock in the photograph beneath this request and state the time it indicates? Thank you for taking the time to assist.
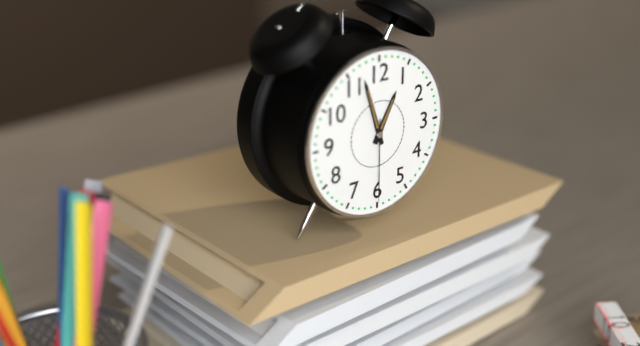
12:57:30
